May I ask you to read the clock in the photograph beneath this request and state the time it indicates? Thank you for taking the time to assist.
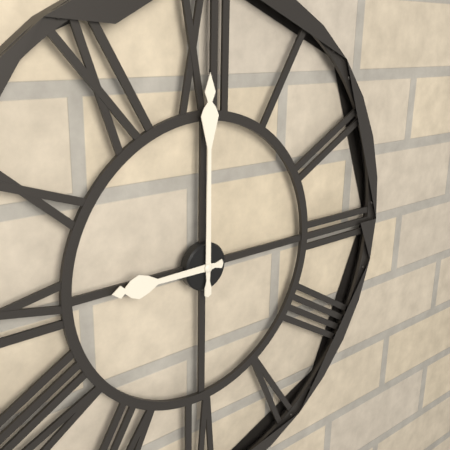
9:00
